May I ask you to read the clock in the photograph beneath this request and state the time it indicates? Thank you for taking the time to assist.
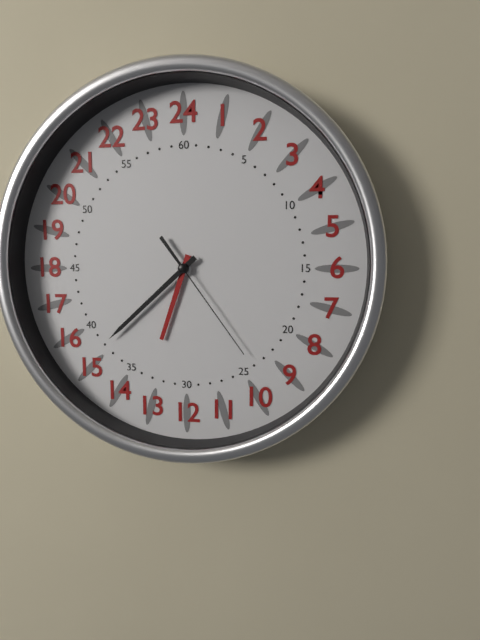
6:38:24
